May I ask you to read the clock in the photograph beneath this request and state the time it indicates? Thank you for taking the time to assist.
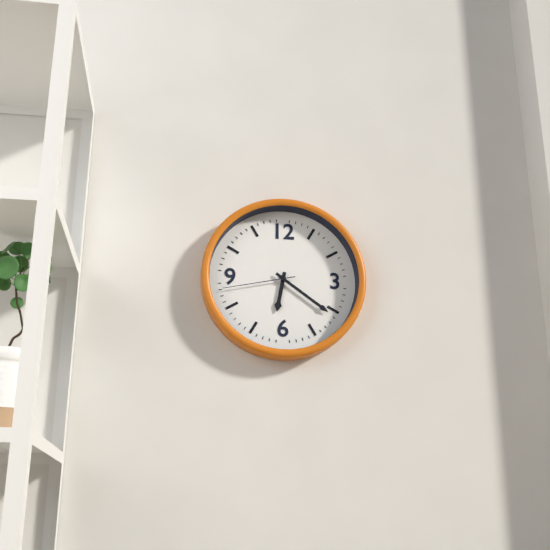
6:21:43
